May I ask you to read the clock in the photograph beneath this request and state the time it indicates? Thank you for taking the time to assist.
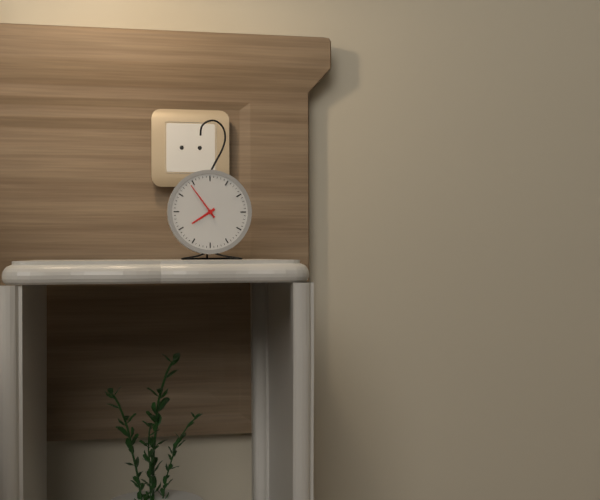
7:54
